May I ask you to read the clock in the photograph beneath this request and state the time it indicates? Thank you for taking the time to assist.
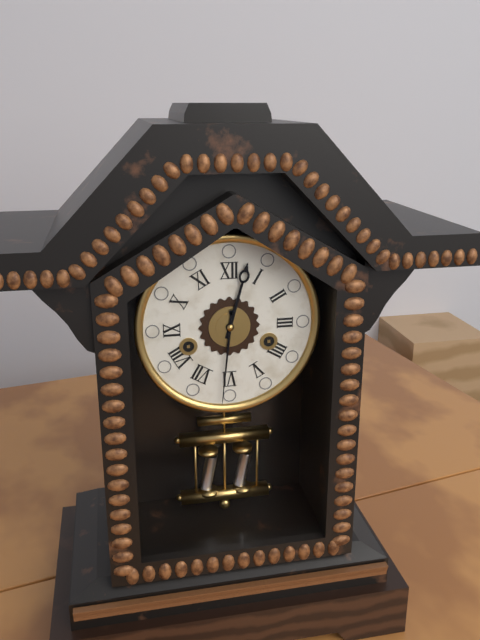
12:31
